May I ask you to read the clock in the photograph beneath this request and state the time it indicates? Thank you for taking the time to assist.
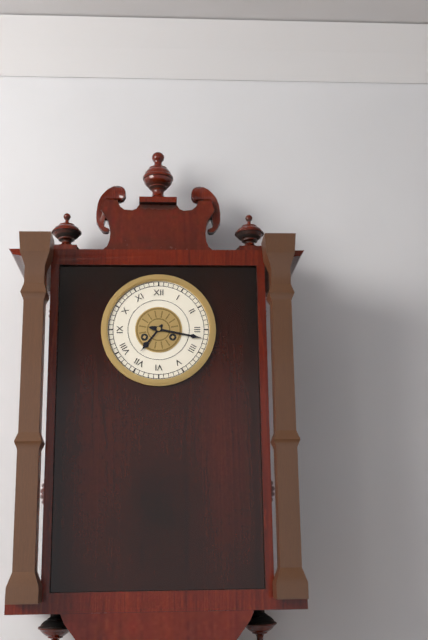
7:17
